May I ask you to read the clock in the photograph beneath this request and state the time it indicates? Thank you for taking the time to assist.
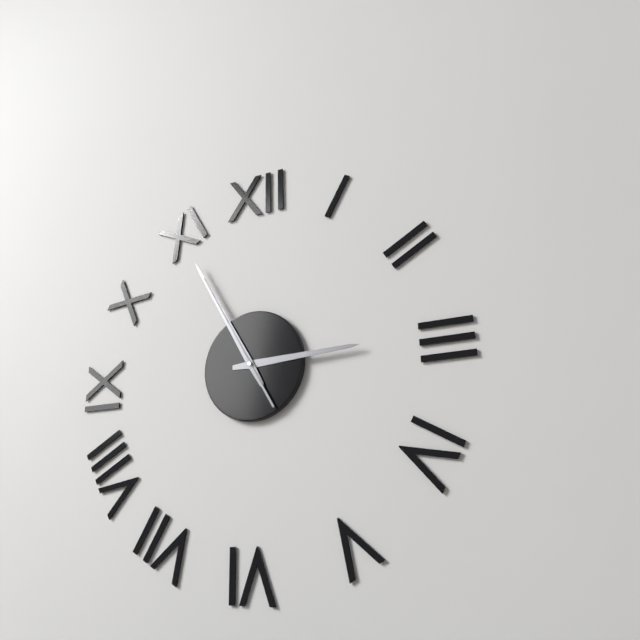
2:55:55
